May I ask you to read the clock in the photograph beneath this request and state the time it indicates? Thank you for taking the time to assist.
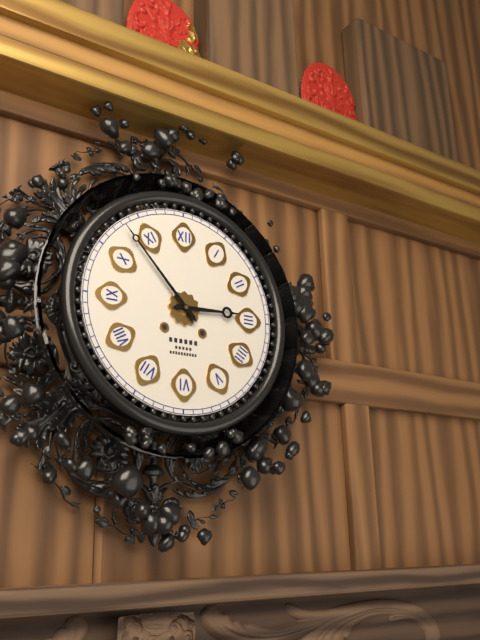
2:53
